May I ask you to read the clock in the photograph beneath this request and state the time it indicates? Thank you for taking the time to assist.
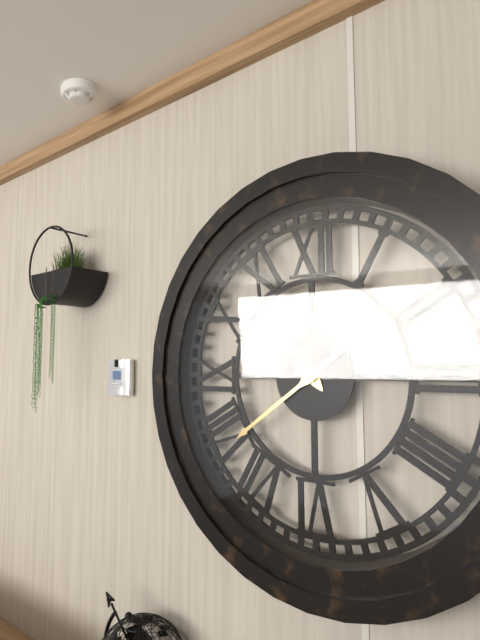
10:39
